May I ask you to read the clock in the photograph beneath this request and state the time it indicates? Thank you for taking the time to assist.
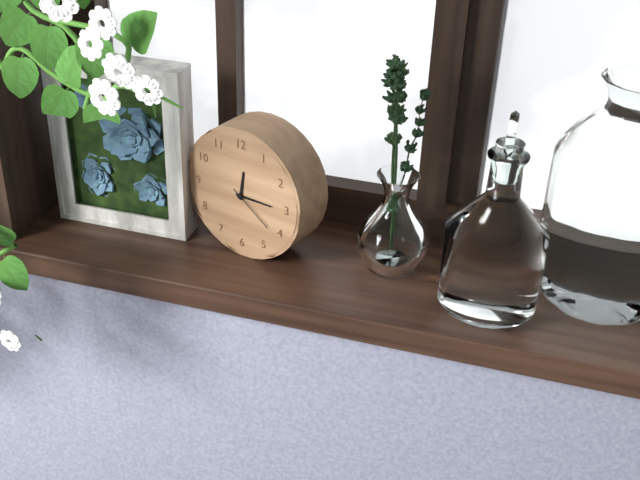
12:15:21
